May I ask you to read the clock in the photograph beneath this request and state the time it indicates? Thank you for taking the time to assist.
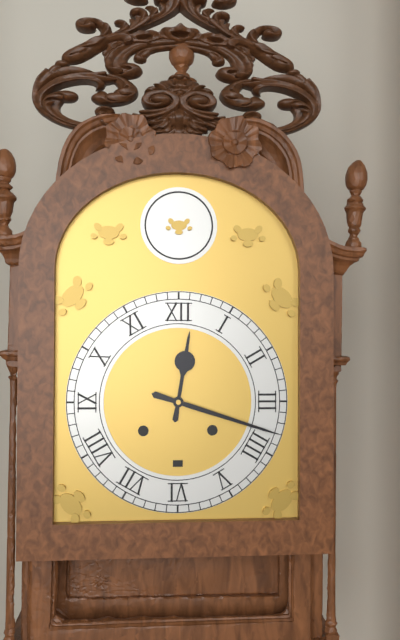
12:18
